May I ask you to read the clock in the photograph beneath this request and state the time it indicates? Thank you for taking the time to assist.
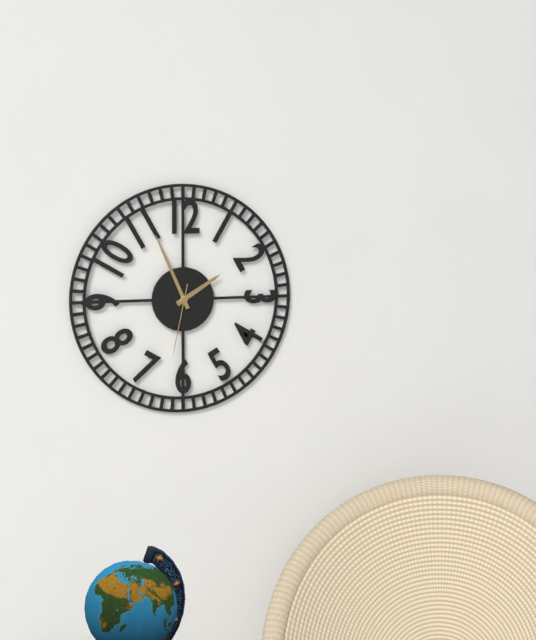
1:56:32
